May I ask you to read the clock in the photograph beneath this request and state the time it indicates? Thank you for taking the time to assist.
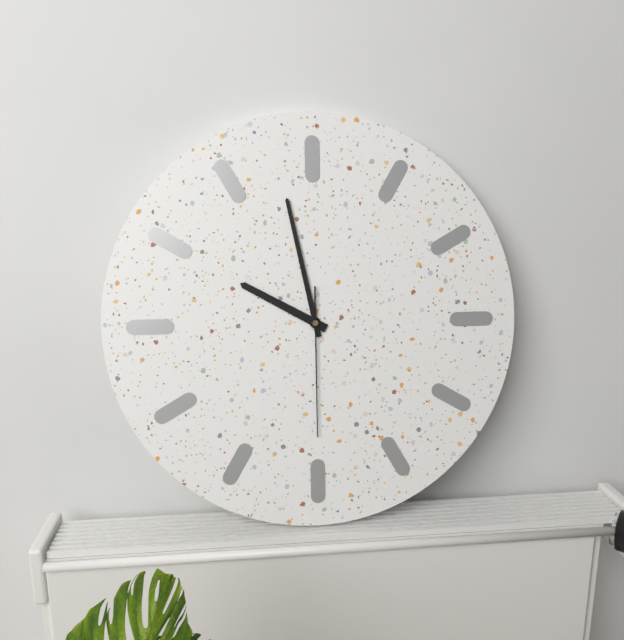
9:58:30
